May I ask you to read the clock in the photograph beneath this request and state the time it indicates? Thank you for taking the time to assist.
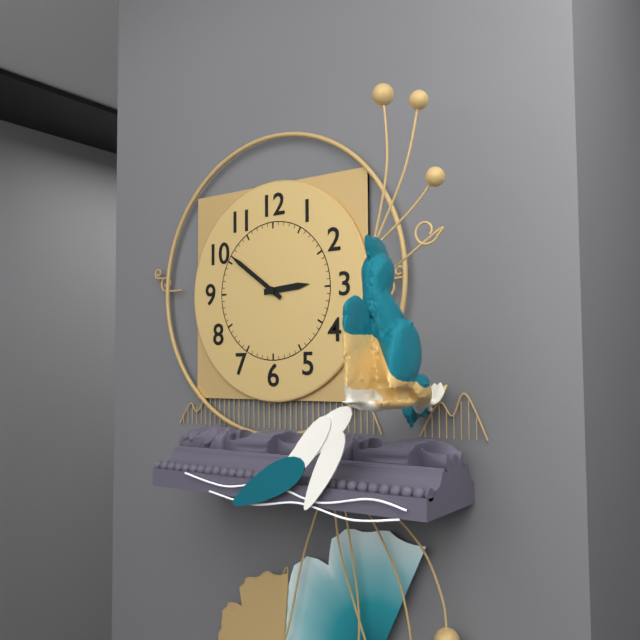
2:51
